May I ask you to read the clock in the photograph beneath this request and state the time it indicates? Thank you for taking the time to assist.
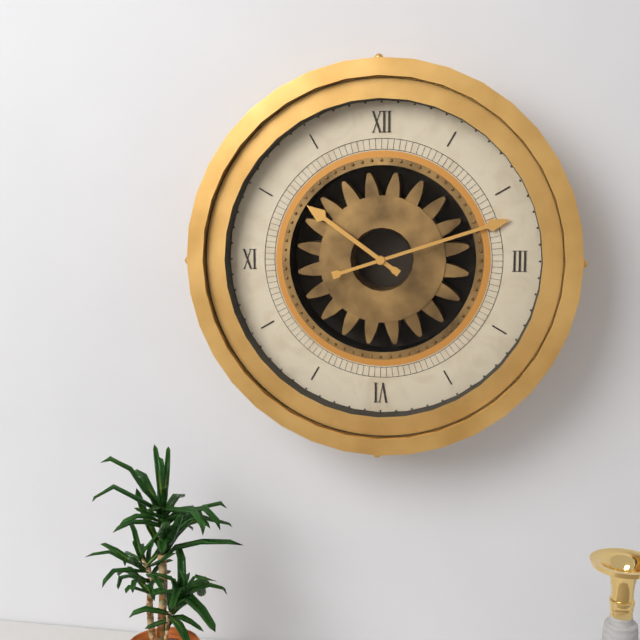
10:12
